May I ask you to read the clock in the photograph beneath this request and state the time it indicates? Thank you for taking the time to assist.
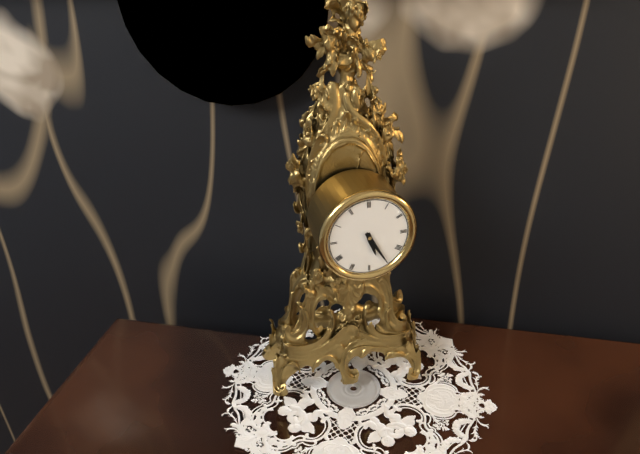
5:25
